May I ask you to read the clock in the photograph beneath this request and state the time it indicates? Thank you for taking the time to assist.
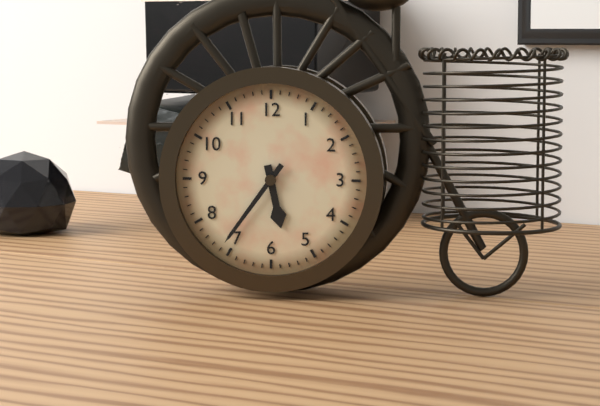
5:36
